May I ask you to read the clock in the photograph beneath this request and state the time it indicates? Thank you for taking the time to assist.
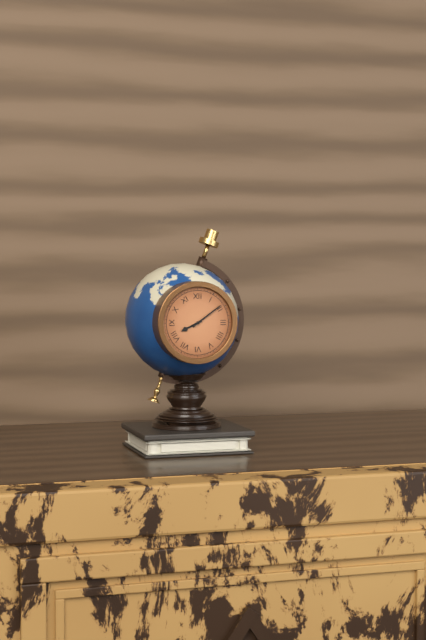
8:09
